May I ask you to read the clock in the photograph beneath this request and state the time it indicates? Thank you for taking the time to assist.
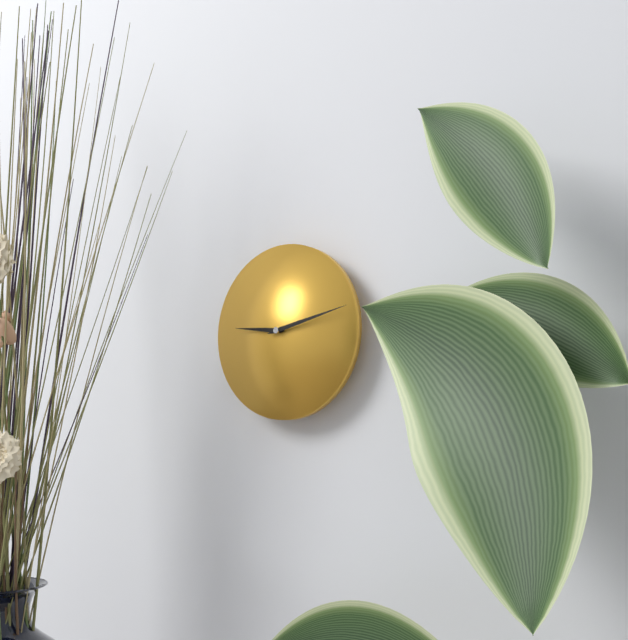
9:13
